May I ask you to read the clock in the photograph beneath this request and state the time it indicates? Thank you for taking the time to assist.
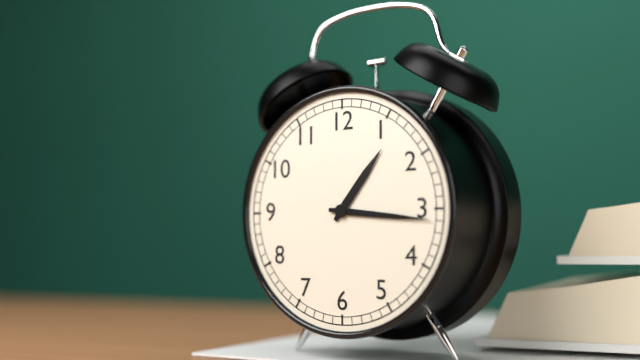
1:16
